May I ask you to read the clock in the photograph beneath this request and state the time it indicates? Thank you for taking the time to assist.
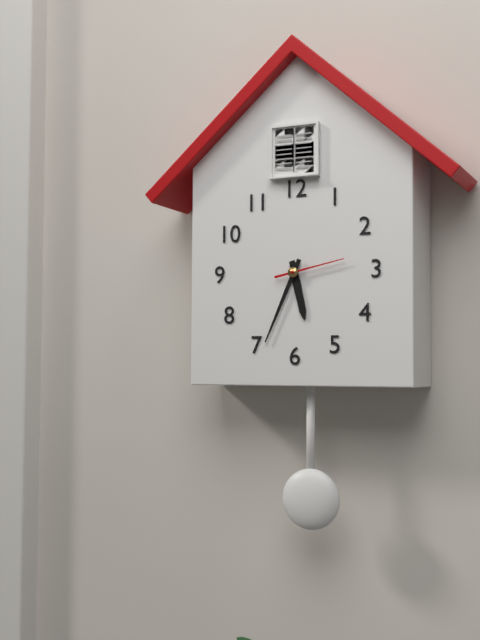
5:34:13
